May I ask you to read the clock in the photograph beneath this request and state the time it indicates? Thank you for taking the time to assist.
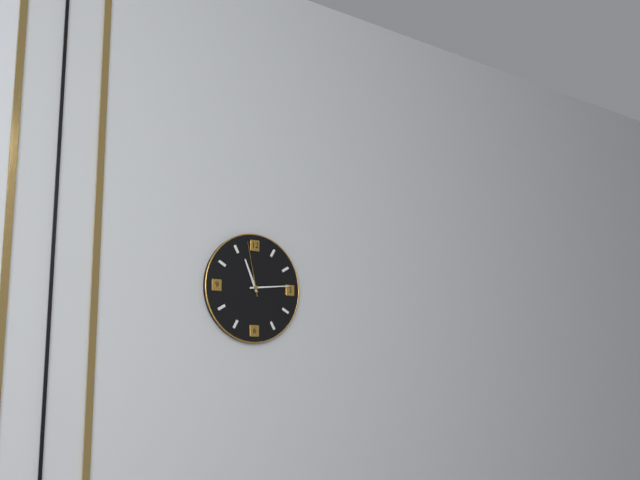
11:14:58
